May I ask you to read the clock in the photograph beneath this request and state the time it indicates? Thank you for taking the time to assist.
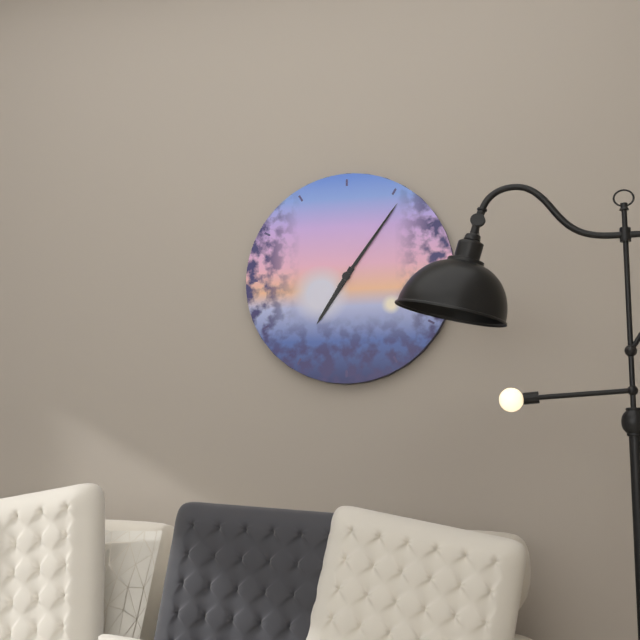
7:06
